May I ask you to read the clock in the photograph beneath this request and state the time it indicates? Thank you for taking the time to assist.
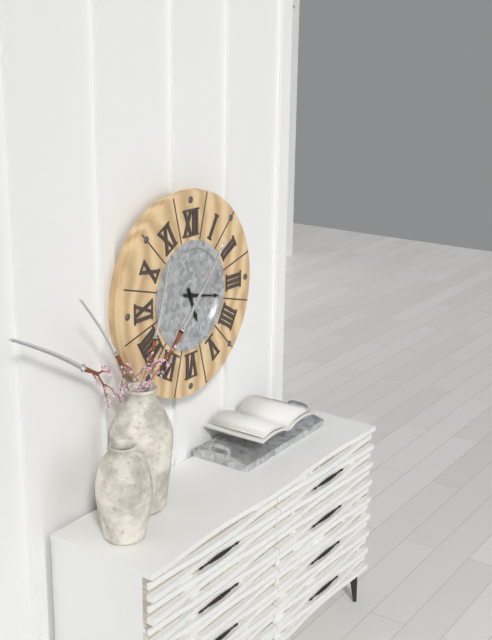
5:17
